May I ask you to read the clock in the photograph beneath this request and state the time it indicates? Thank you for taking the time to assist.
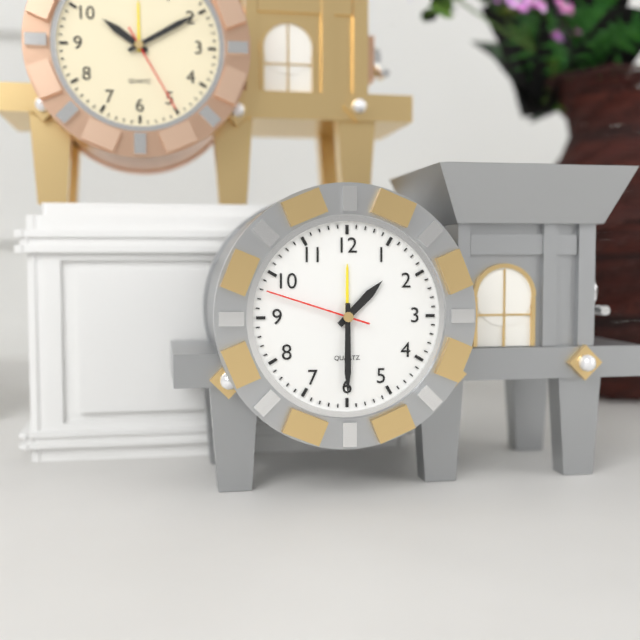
1:30:48
